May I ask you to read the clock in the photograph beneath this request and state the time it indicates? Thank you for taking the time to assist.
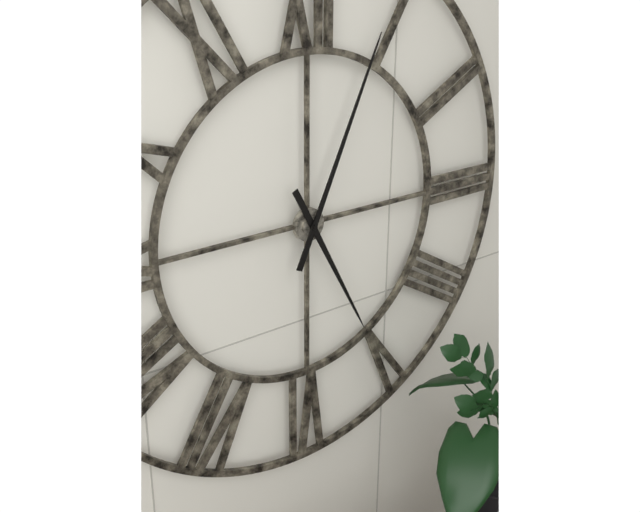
5:04
